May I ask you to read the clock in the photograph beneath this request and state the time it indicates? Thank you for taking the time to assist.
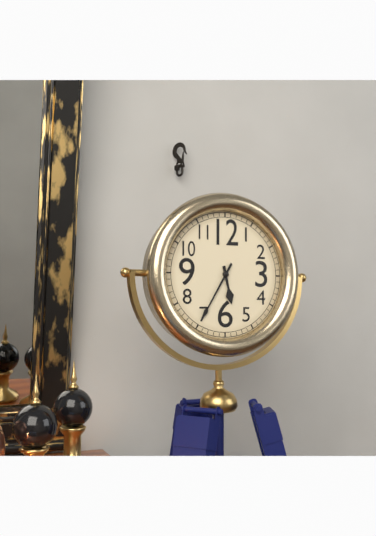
5:35
